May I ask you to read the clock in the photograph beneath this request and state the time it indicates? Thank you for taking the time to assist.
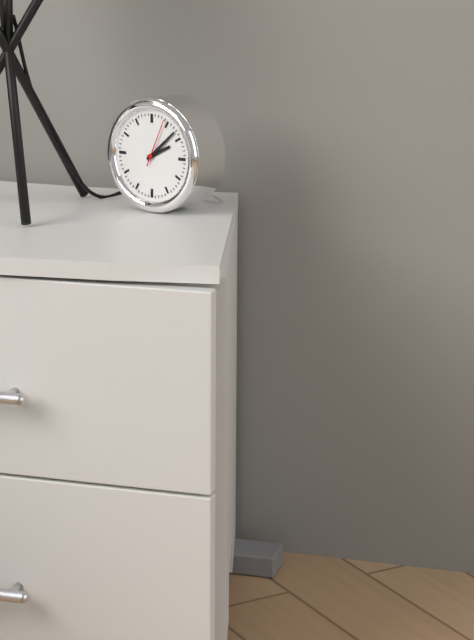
2:08
